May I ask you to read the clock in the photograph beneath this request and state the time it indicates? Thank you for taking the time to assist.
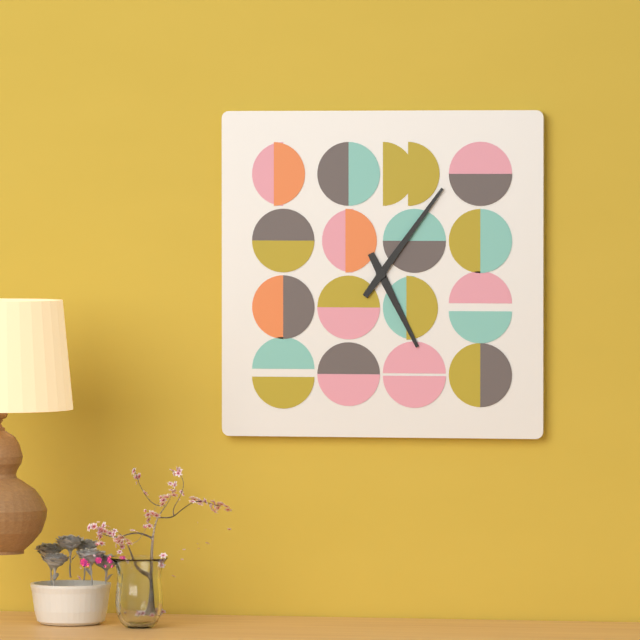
5:06
